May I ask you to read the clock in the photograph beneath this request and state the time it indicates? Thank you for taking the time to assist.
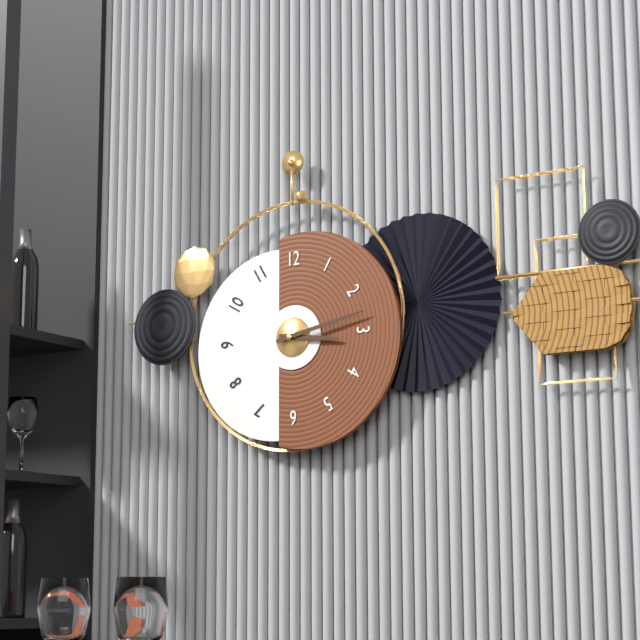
3:13
